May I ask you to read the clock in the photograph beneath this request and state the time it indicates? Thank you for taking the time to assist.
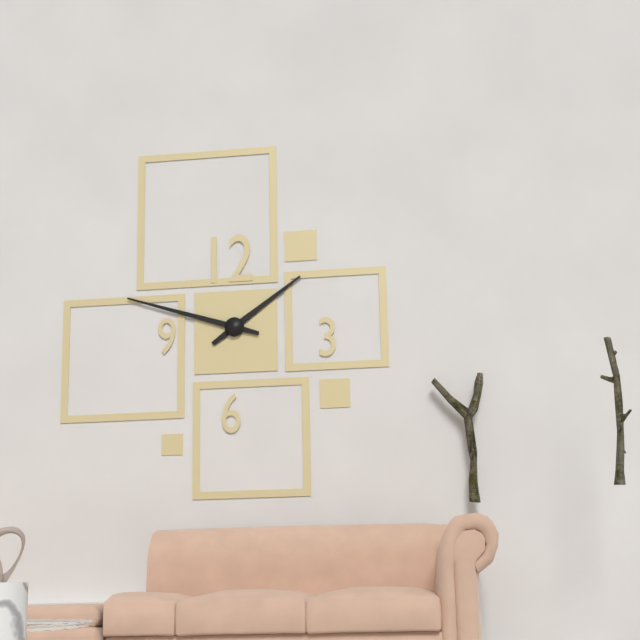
1:48
